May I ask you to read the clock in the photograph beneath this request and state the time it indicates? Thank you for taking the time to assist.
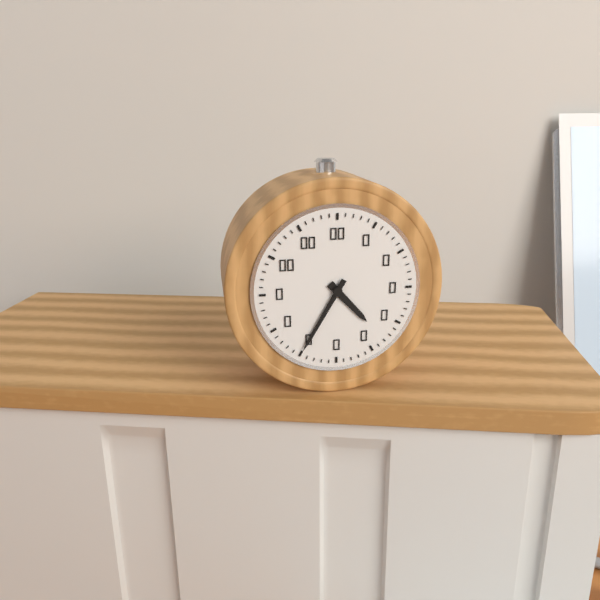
4:35
